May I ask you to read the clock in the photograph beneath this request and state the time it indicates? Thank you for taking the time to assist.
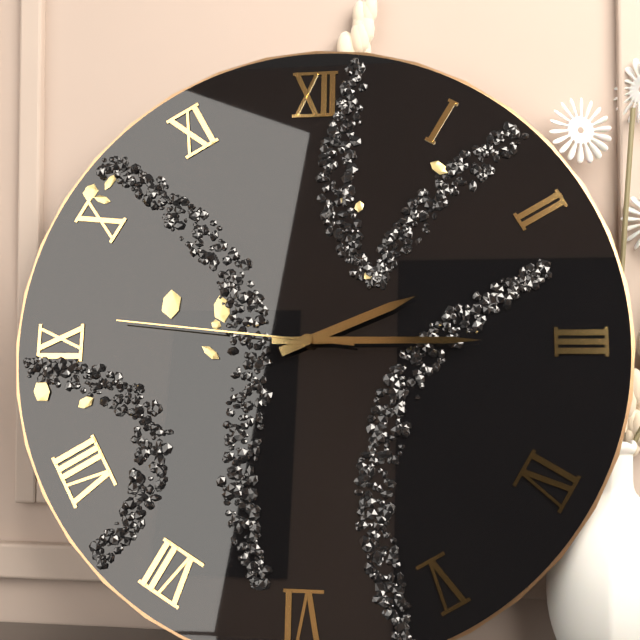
2:15:46
